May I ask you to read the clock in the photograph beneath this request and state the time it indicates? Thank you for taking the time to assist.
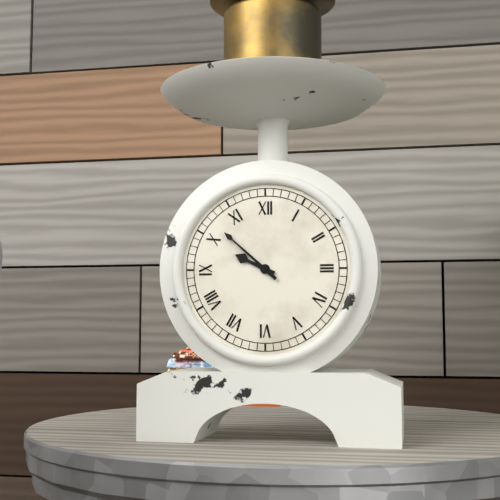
9:52
